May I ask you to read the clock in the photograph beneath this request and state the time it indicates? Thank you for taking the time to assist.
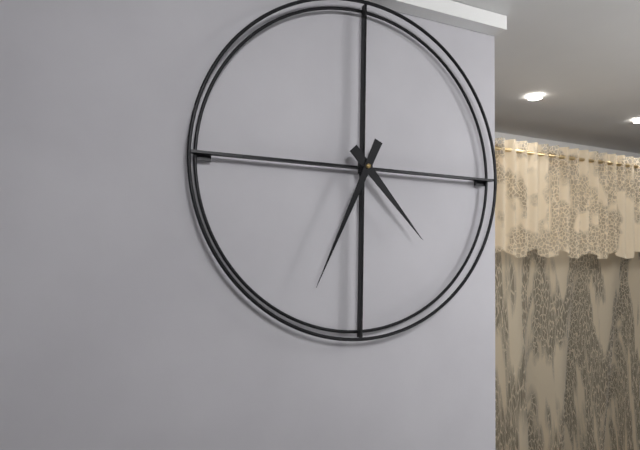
4:34
